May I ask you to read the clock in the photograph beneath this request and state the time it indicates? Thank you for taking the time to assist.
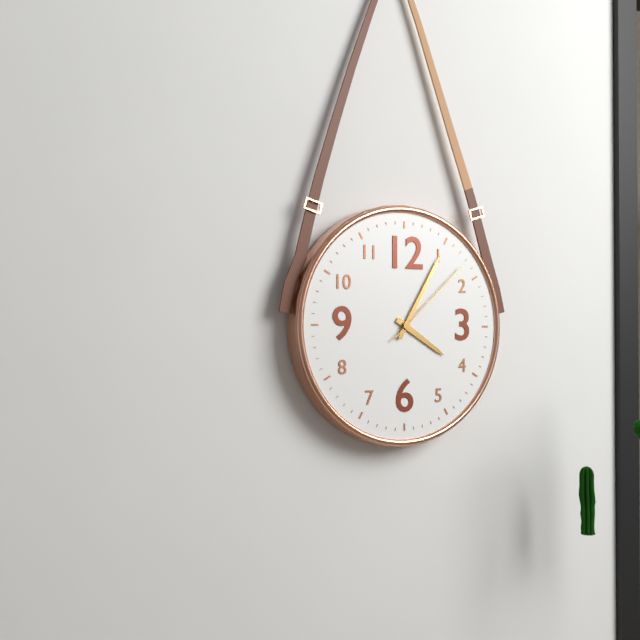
4:05:08
